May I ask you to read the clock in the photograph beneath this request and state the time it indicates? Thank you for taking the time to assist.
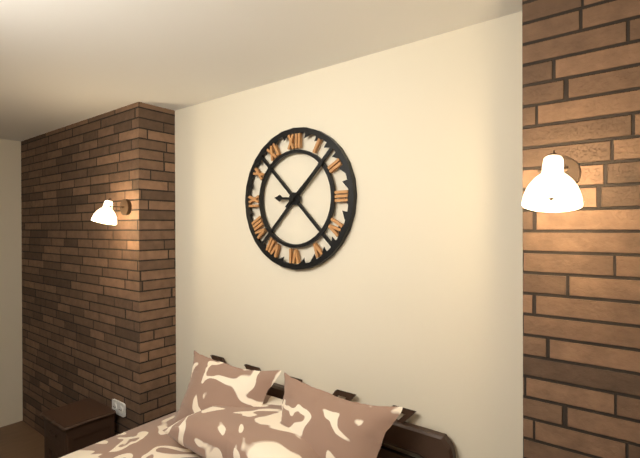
9:08
